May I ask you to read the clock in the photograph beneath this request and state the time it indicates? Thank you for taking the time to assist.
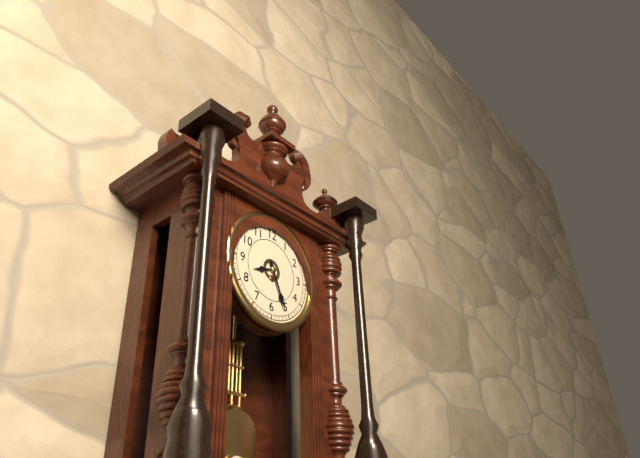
8:26
